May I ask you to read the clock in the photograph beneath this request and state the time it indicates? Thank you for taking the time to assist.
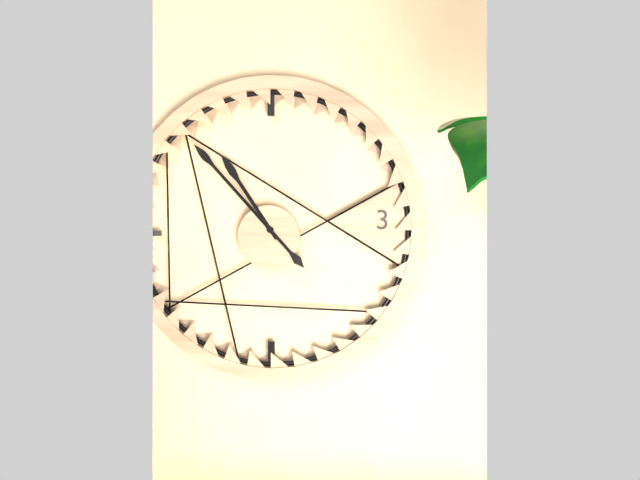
10:53
